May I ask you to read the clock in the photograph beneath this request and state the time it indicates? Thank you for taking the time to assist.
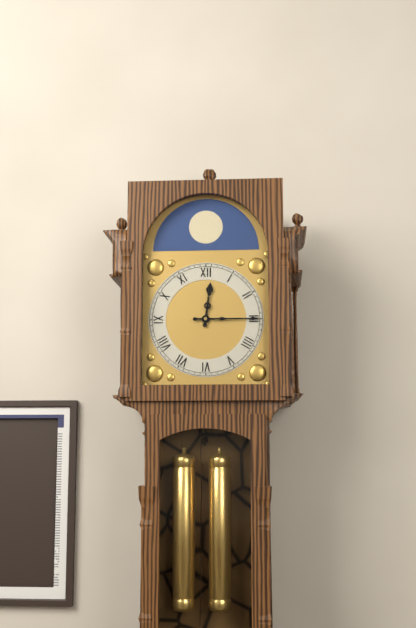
12:15
